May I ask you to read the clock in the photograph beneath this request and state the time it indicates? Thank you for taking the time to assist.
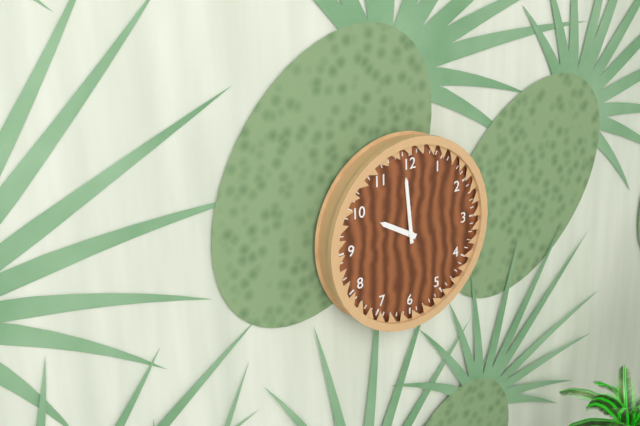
9:59
